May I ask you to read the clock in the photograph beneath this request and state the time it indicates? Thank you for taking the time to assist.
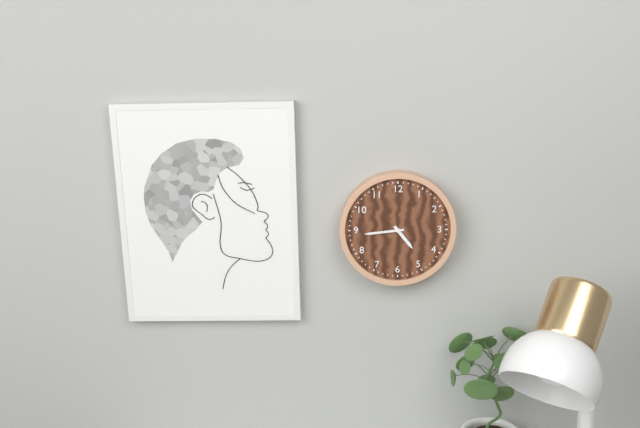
4:44
